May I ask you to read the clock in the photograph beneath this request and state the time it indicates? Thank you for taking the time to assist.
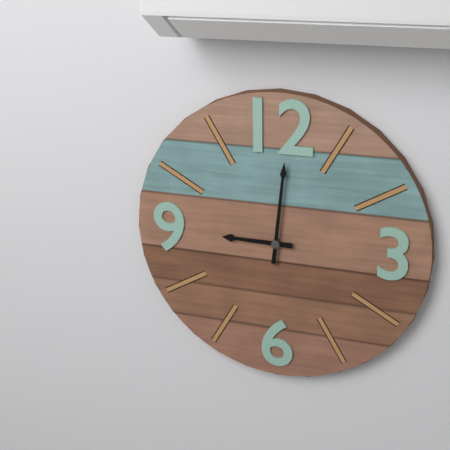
9:01
